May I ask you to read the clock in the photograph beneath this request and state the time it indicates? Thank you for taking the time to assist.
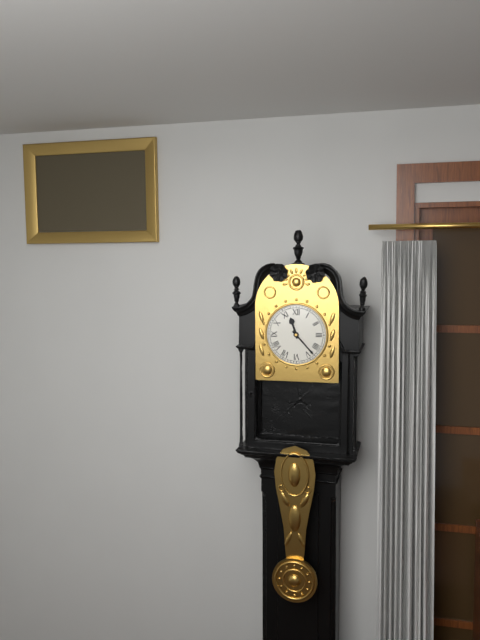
11:23
